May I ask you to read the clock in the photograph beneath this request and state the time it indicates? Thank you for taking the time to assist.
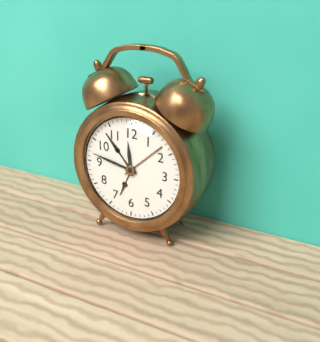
11:47
